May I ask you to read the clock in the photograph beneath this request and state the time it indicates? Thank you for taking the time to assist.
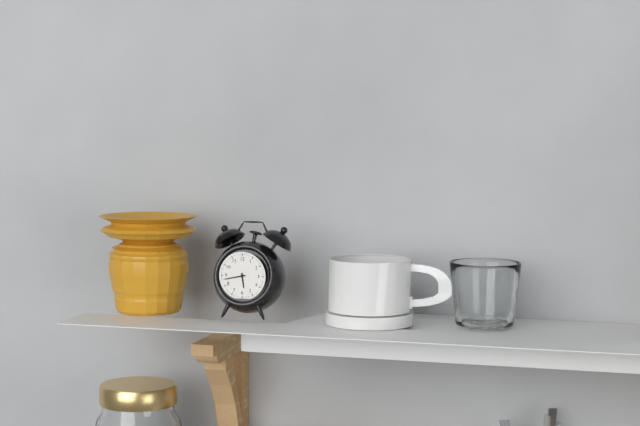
5:43
